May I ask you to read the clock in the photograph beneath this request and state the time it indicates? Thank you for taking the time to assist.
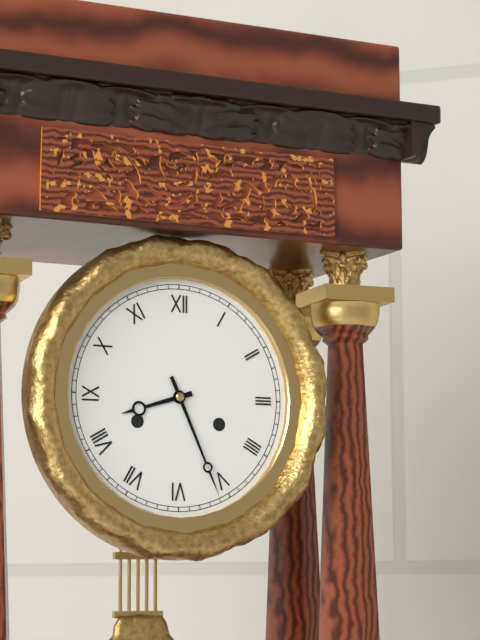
8:26
